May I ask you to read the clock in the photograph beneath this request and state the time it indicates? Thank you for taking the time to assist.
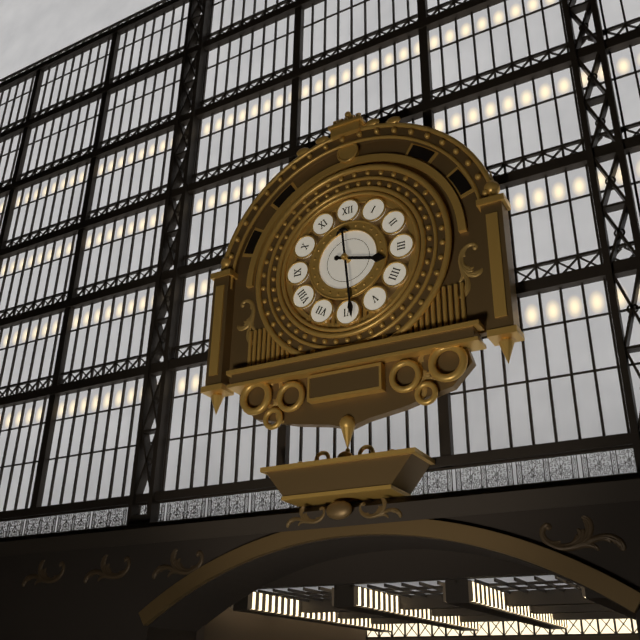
3:29
